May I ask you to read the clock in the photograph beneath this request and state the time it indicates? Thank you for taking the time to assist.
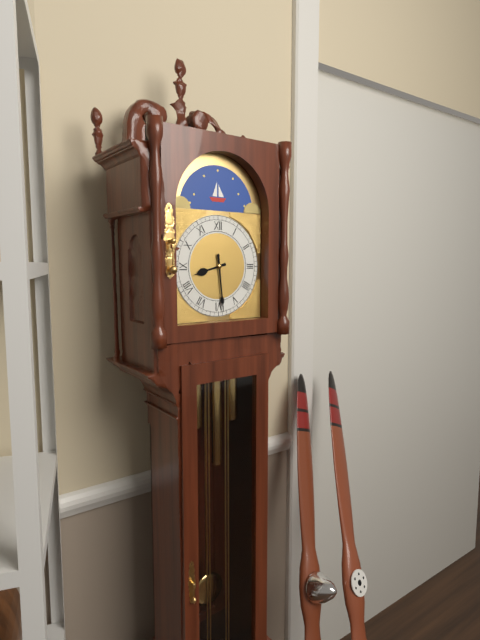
8:29
